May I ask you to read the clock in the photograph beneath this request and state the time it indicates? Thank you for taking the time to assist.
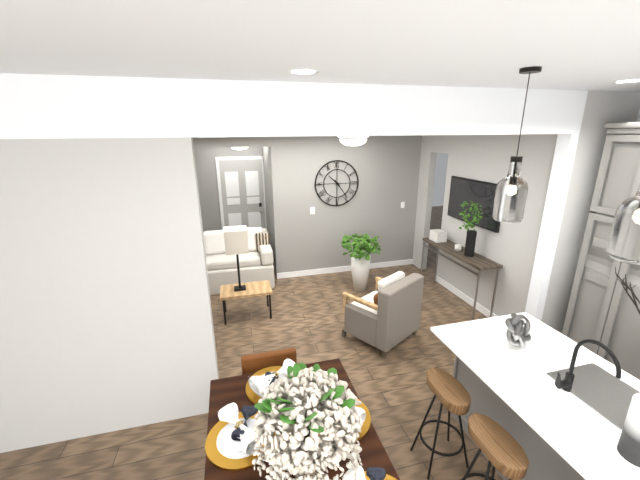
10:24
